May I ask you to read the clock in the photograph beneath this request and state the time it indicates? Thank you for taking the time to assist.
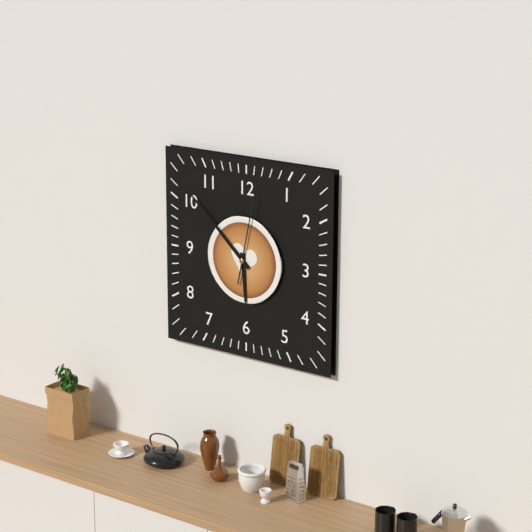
5:52:02
